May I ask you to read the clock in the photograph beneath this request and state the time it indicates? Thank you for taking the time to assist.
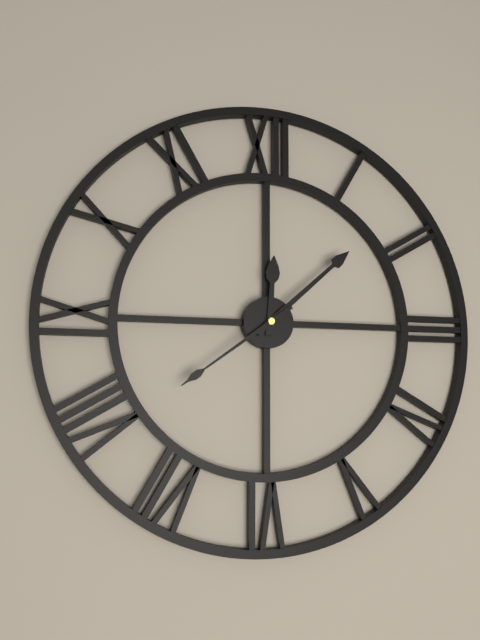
12:08:39
